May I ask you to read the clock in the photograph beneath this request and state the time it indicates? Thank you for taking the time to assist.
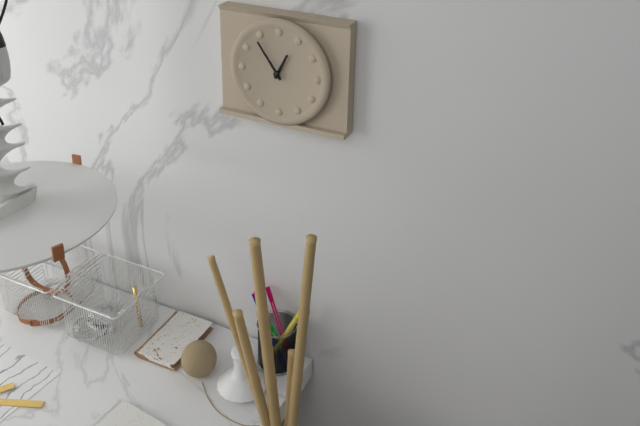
12:54
